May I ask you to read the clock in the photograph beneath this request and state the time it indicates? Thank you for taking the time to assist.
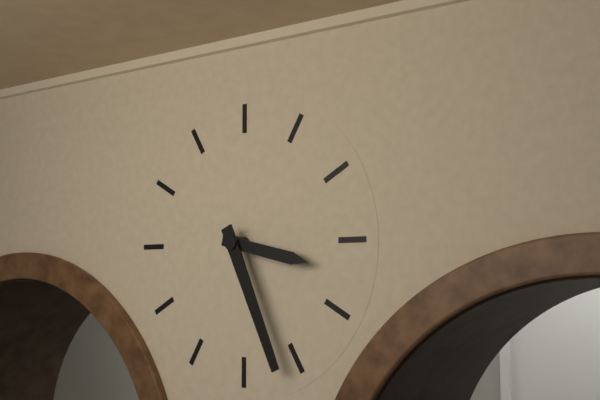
3:26
